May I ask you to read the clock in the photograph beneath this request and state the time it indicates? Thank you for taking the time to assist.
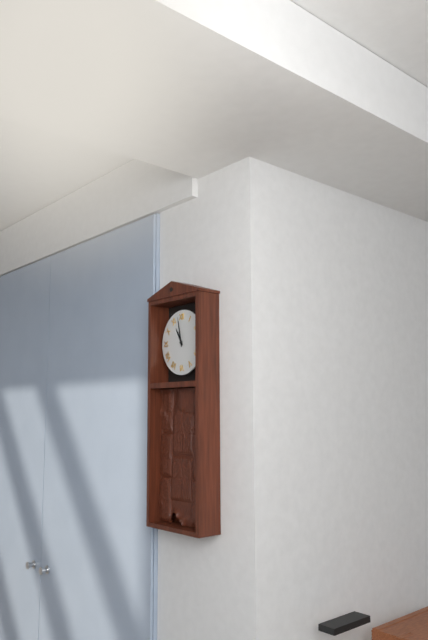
10:58
